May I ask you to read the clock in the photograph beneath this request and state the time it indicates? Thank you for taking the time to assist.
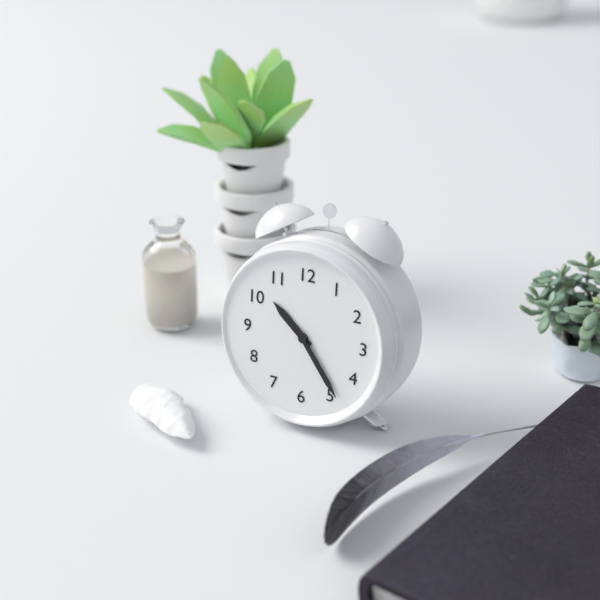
10:24
